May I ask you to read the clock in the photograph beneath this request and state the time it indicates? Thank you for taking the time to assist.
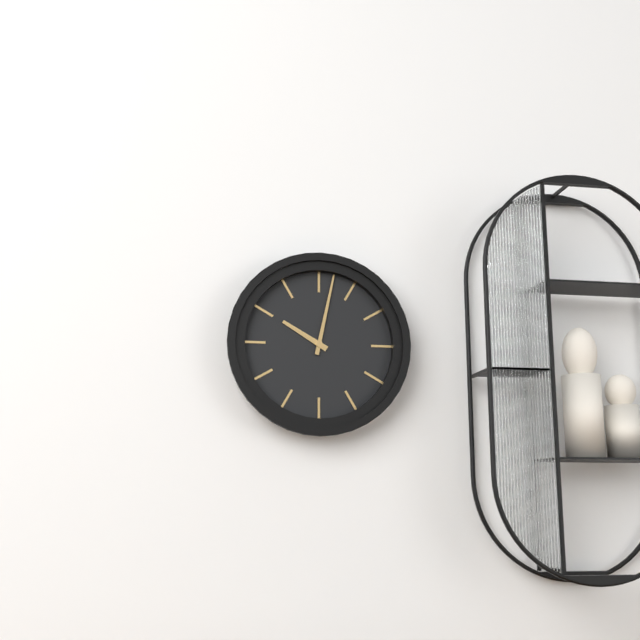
10:02
